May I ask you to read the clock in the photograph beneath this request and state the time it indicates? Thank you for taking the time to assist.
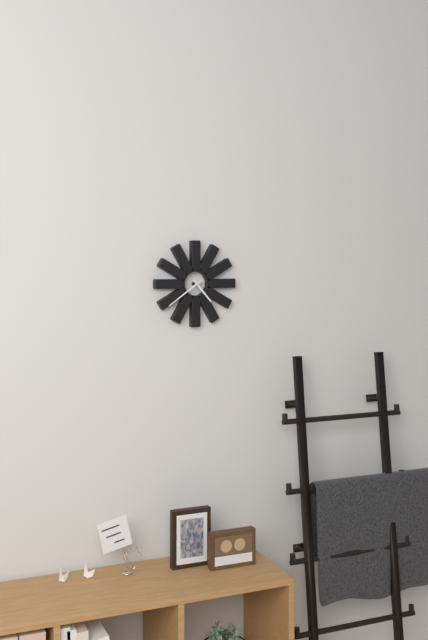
4:39
